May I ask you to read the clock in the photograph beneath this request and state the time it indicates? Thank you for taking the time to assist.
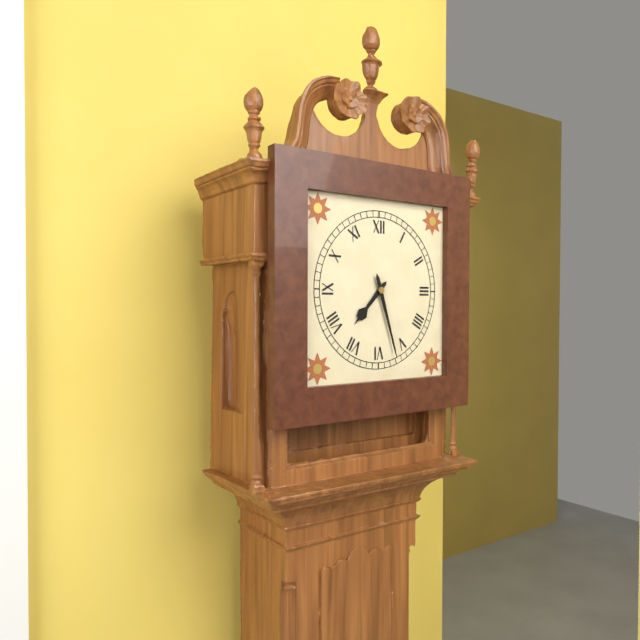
7:27
